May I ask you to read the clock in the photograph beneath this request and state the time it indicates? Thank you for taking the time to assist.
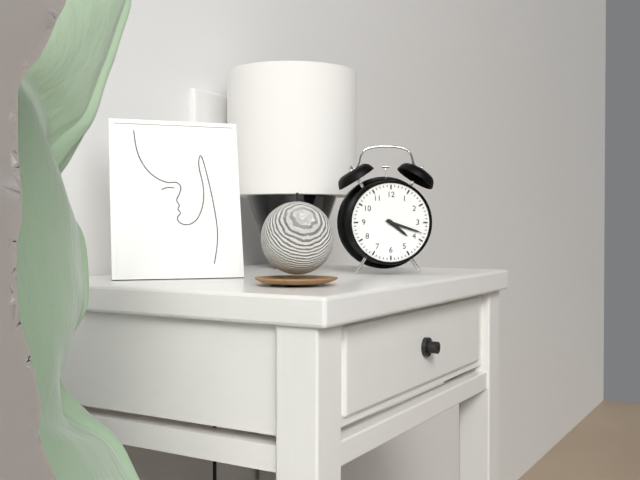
4:18
